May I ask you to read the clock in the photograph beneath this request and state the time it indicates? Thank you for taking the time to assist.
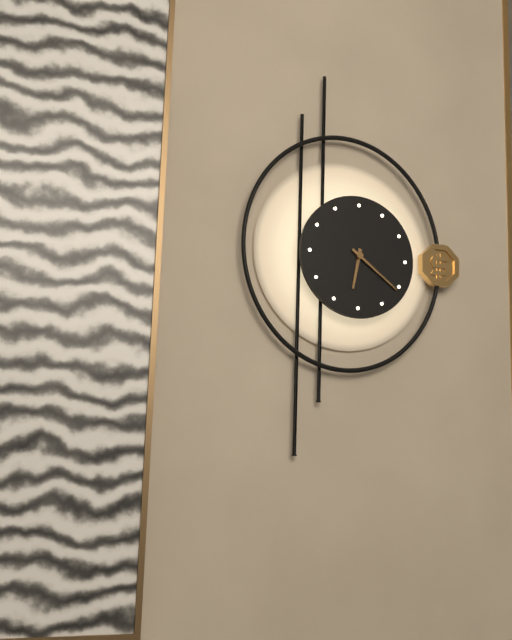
6:21
